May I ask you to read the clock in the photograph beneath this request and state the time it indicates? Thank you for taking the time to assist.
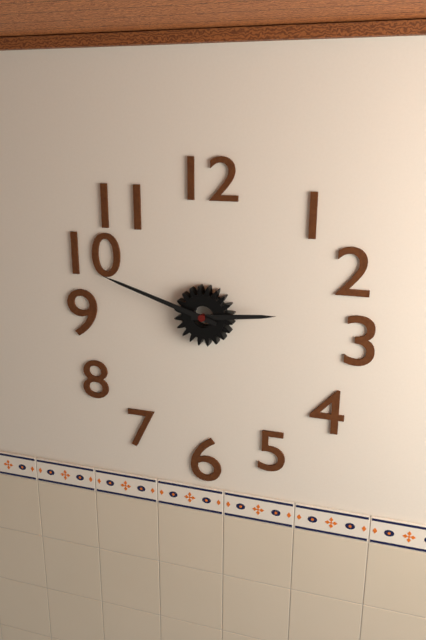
2:48
